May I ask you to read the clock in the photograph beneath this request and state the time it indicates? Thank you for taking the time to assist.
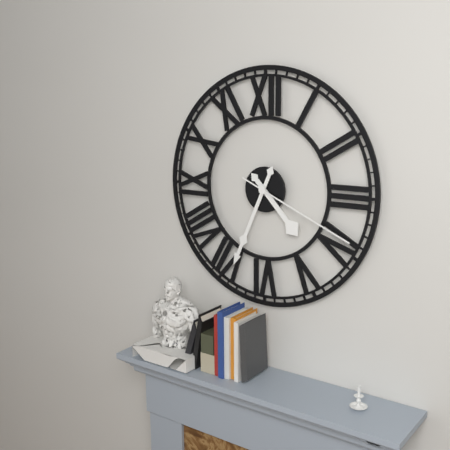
4:34:19
